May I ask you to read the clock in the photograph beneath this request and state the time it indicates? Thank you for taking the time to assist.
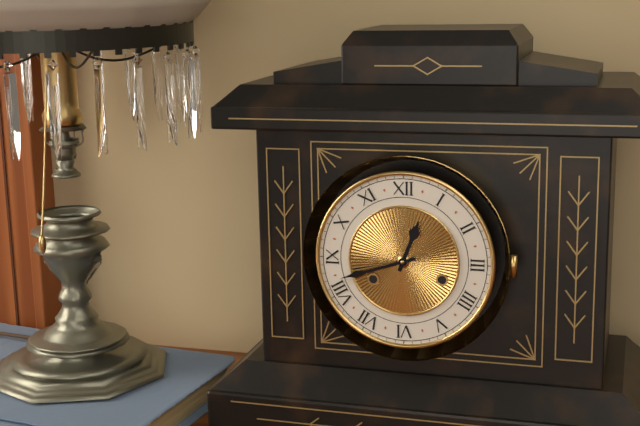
12:42
